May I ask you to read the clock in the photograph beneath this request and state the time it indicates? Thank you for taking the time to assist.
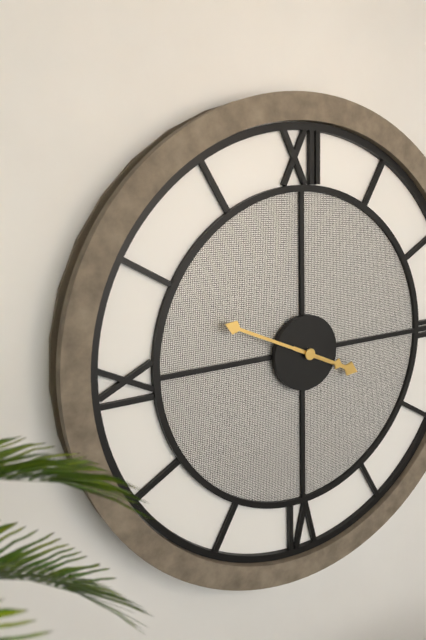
3:49
